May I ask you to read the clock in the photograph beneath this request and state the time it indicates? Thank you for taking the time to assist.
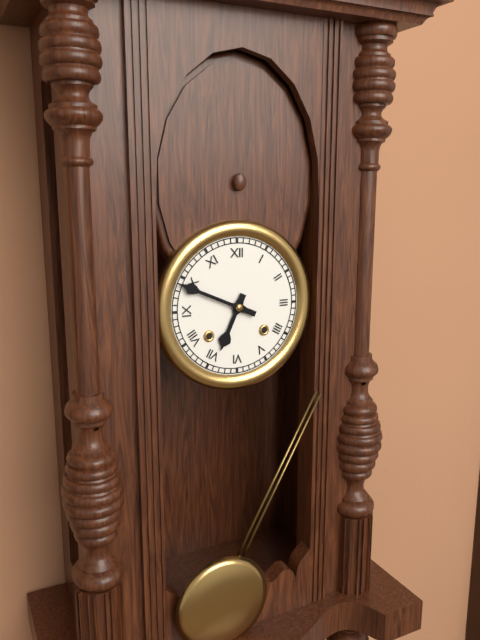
6:49
